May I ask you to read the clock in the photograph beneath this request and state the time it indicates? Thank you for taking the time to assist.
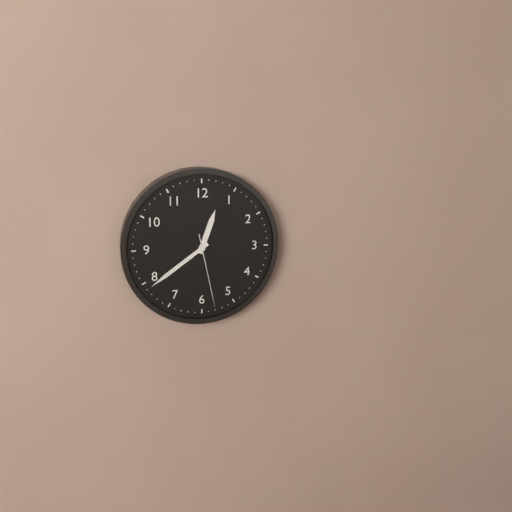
12:39:28
